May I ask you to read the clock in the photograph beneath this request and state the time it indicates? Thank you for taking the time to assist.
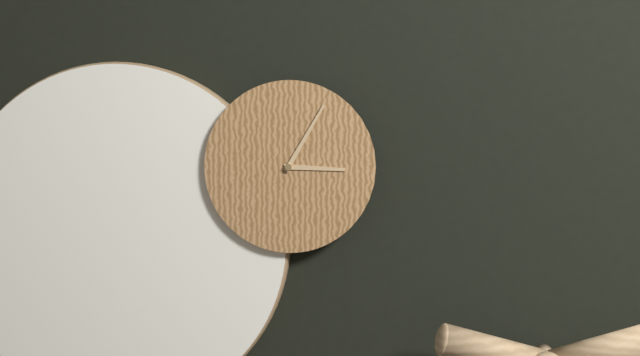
3:05
